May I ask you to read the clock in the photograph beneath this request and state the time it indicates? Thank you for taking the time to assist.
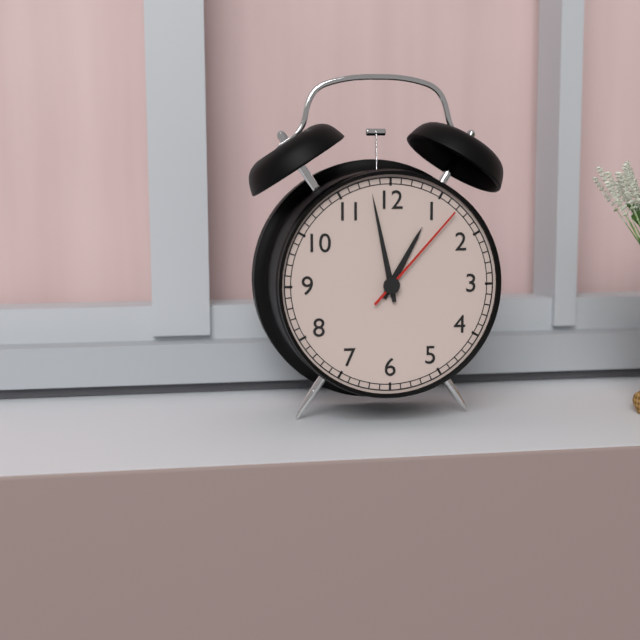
12:58:07
